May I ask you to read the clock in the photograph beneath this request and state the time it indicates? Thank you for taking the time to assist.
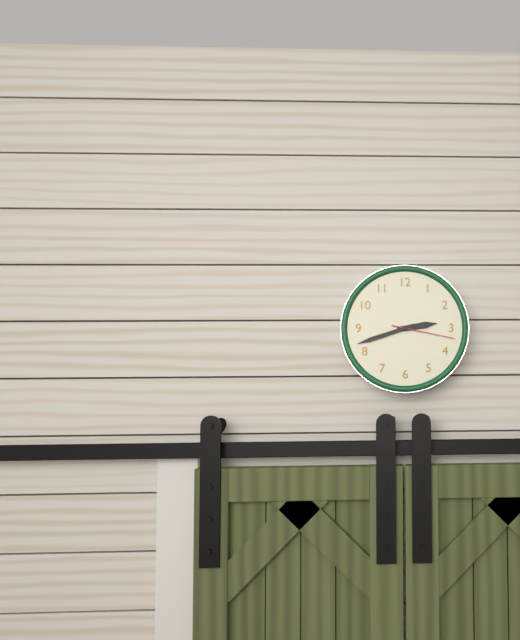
2:42:17
